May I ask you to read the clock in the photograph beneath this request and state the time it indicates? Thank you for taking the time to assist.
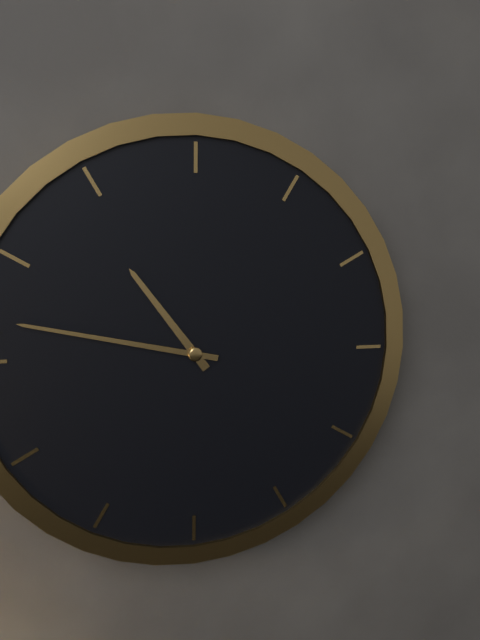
10:47
